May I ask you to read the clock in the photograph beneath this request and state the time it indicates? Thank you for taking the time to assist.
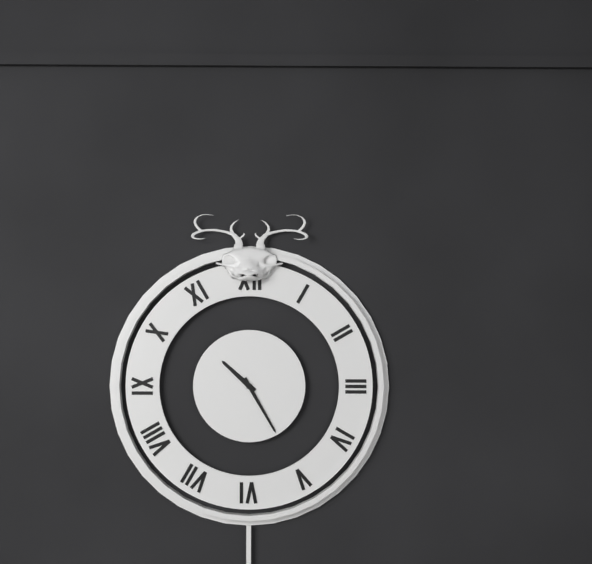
10:25
